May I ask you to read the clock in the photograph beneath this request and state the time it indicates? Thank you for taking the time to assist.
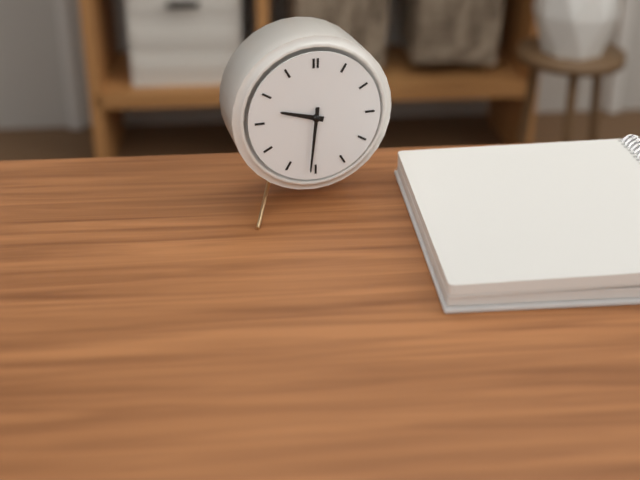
9:31
